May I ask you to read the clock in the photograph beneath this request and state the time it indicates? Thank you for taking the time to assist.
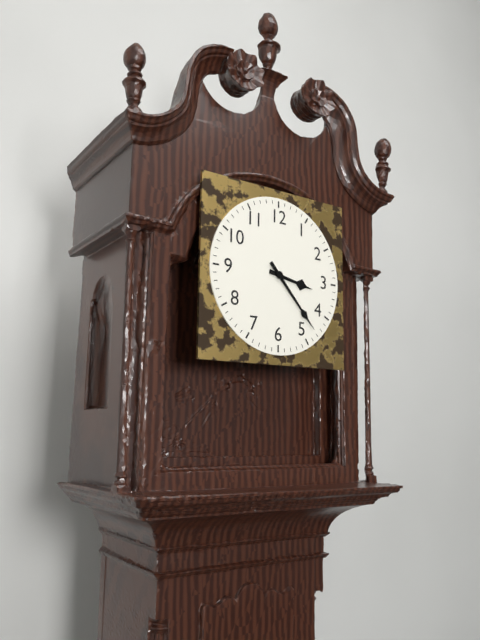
3:23
